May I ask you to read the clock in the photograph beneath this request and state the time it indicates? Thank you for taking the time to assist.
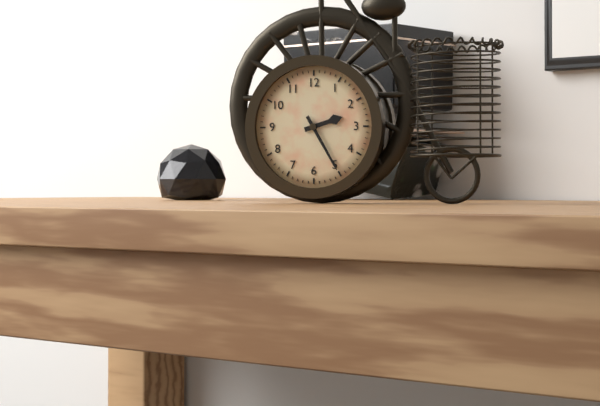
2:25
